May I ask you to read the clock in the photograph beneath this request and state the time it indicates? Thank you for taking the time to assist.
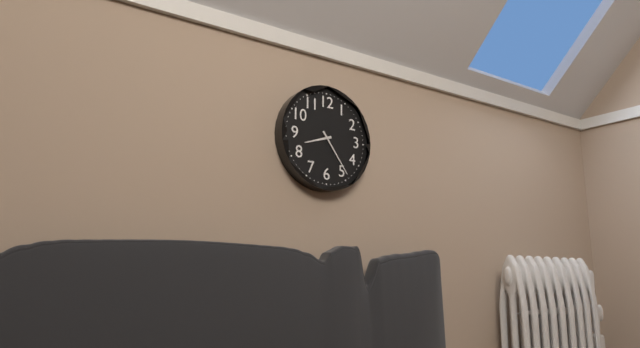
8:24
